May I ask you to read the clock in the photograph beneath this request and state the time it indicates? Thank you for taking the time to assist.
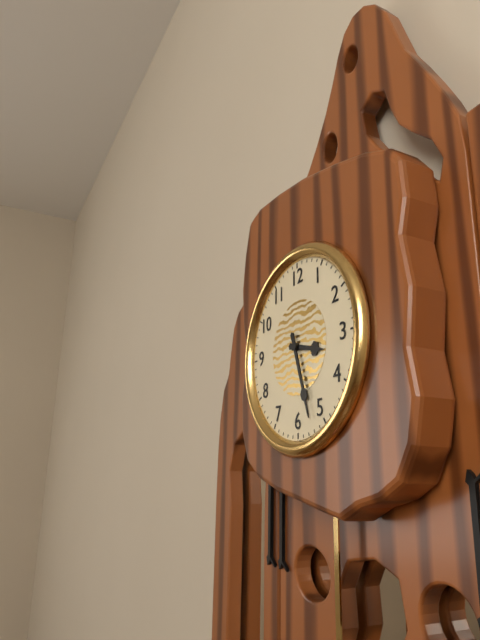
3:27
